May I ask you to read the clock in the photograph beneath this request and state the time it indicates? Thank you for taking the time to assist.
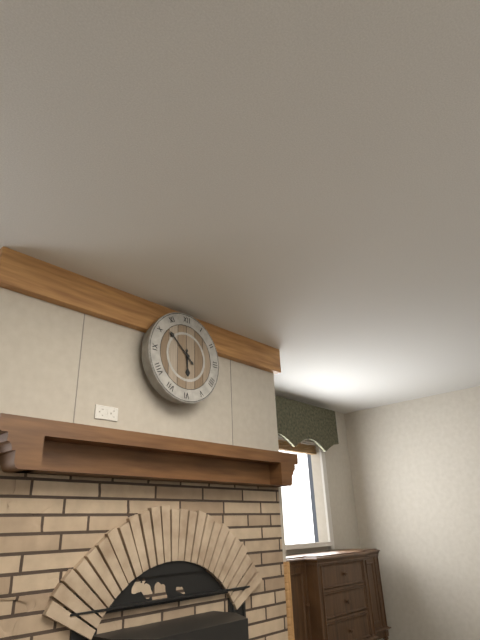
5:52
